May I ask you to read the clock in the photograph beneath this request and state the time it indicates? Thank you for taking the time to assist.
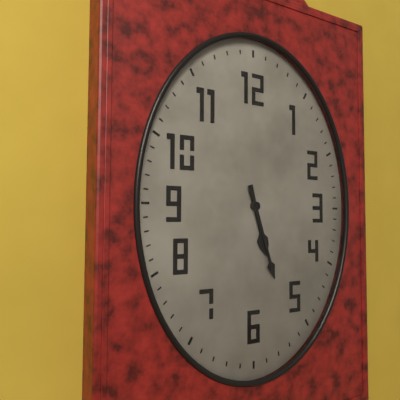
5:27
